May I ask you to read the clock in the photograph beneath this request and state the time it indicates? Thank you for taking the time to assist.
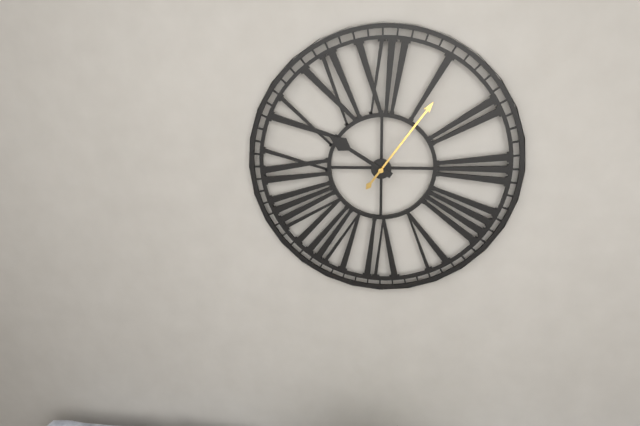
10:06
